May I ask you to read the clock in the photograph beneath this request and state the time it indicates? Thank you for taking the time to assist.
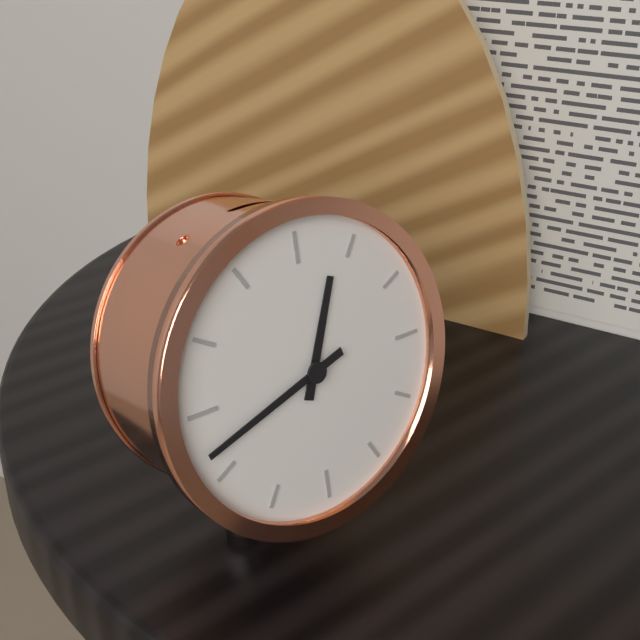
12:42
